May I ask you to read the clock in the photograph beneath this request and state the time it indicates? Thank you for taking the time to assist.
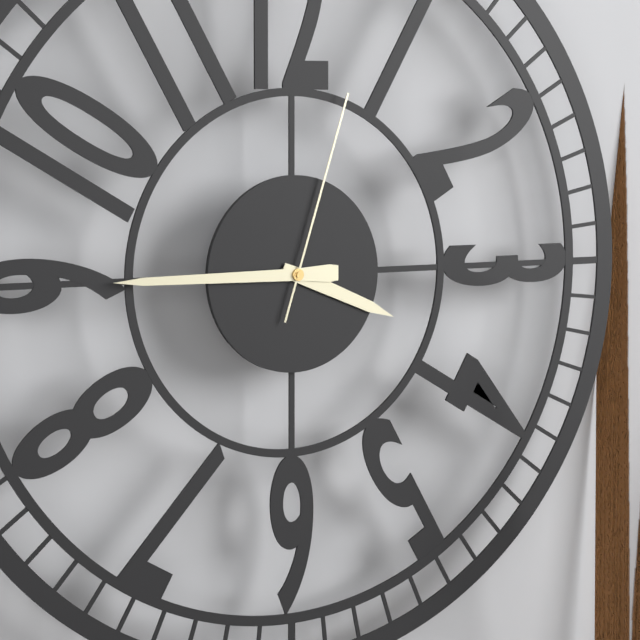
3:45:03
